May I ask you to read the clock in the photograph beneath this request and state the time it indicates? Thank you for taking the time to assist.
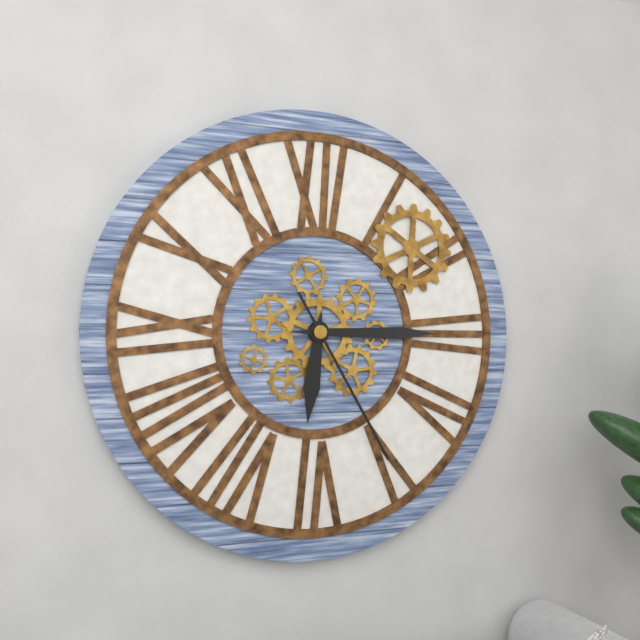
6:15:25
